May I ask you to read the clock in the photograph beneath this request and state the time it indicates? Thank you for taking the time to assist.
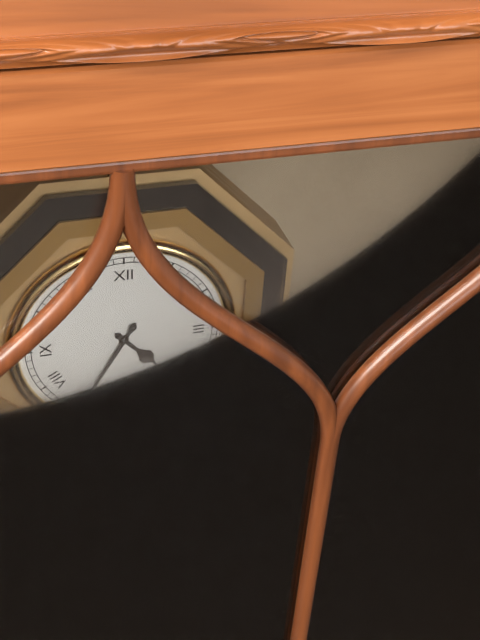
4:35
